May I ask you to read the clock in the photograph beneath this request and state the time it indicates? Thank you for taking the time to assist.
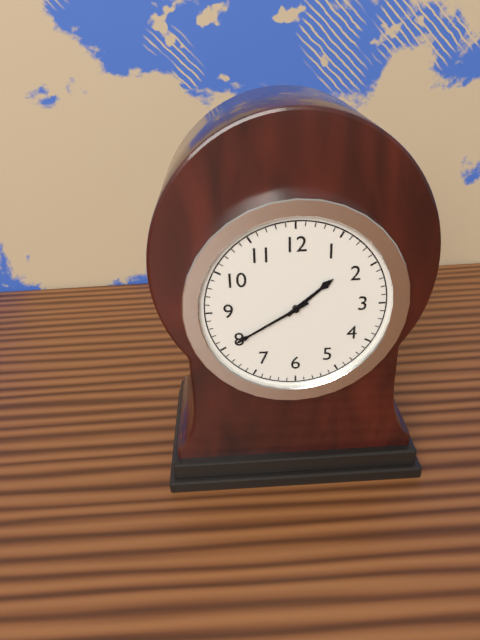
1:40
